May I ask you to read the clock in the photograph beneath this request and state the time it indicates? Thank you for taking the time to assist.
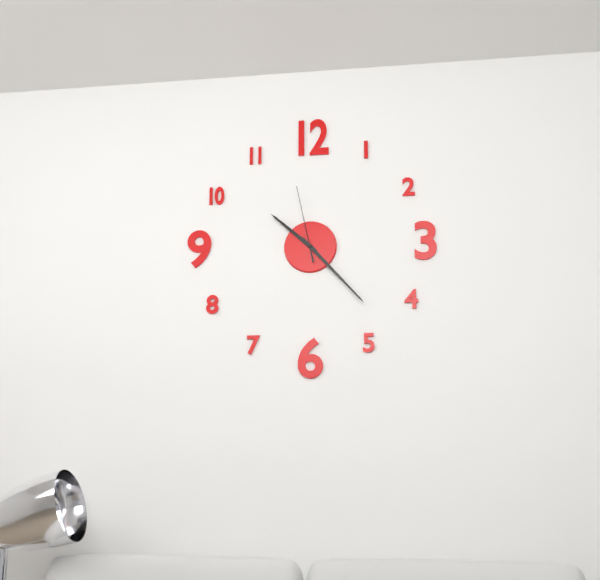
10:23:58
